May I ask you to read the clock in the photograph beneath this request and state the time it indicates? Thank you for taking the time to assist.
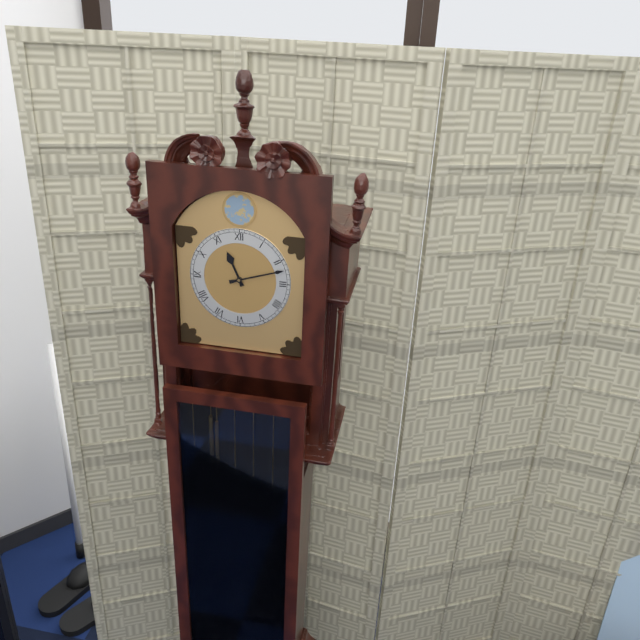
11:12
